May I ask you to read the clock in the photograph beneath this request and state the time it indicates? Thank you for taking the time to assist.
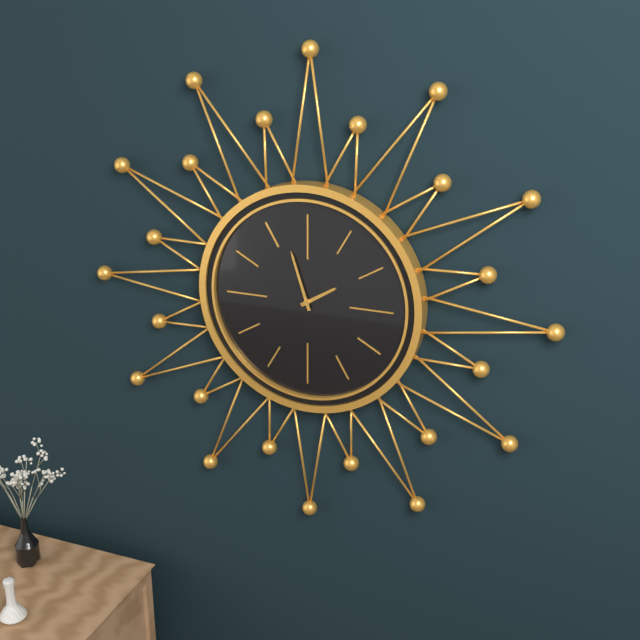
1:57
